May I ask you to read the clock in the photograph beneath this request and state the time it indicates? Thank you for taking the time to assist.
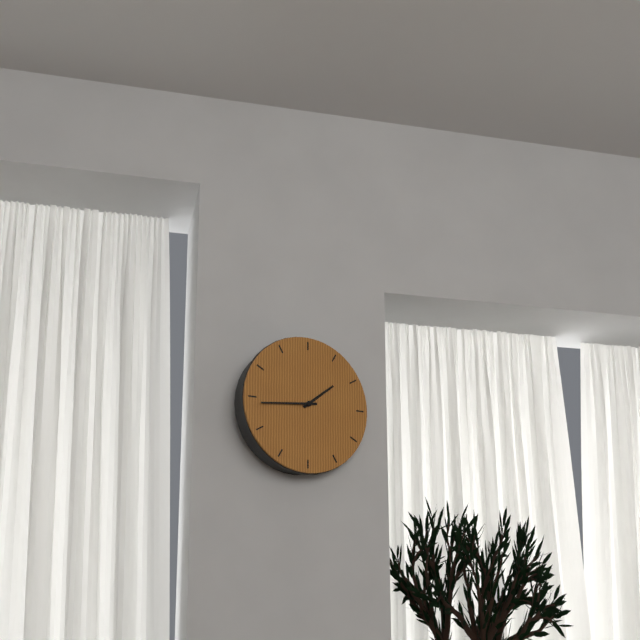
1:44
